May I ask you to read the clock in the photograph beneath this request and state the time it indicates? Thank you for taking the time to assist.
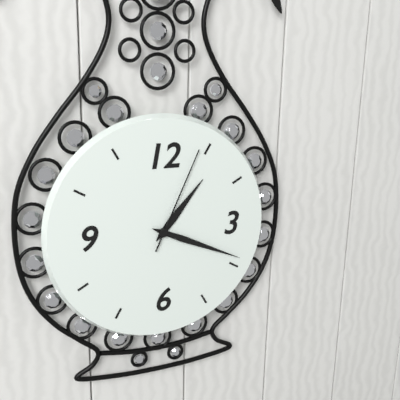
1:19:04
